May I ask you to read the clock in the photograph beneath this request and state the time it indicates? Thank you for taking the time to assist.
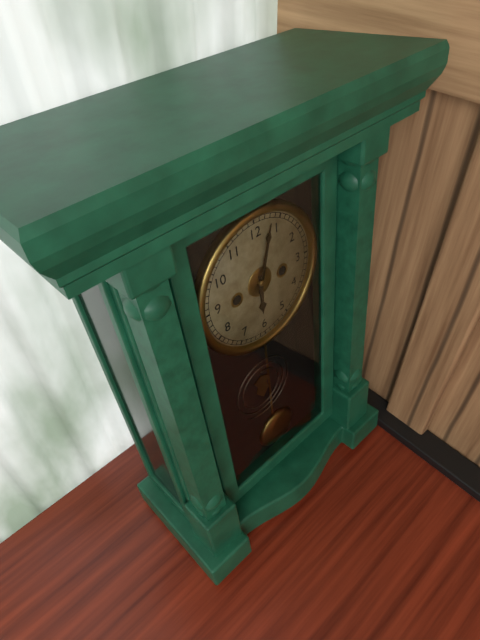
6:03
